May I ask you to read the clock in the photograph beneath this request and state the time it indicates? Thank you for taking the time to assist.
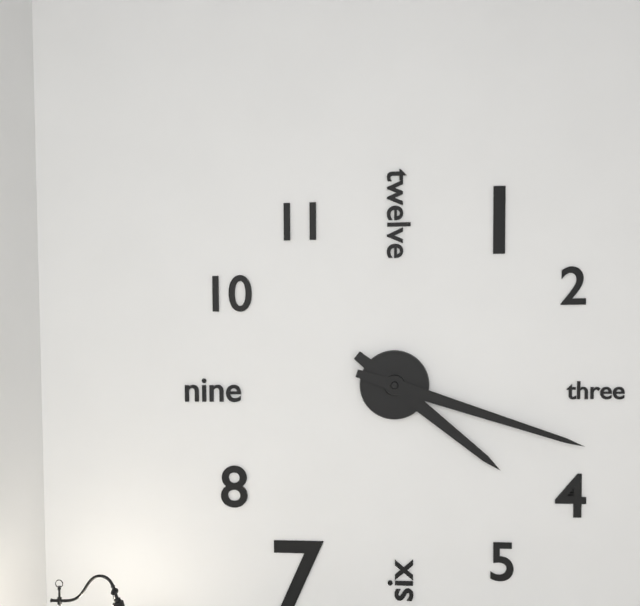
4:18
